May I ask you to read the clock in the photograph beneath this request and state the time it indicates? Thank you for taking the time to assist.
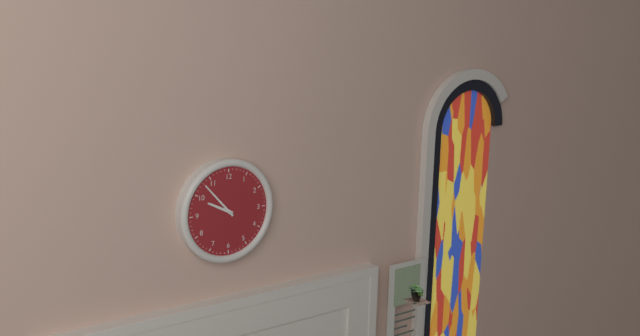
9:53
